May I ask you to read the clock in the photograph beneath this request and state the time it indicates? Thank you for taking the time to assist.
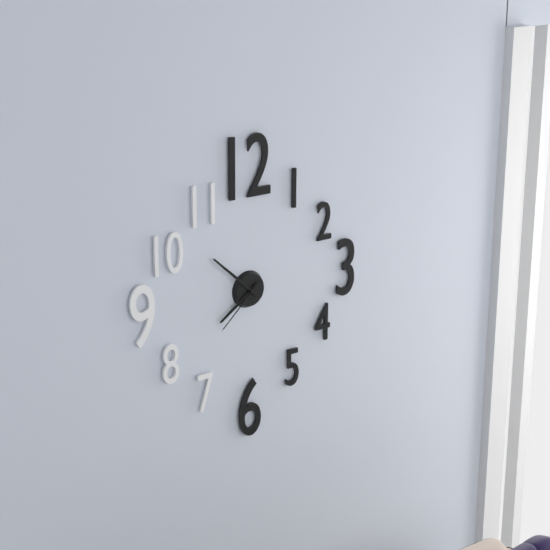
7:52:38
